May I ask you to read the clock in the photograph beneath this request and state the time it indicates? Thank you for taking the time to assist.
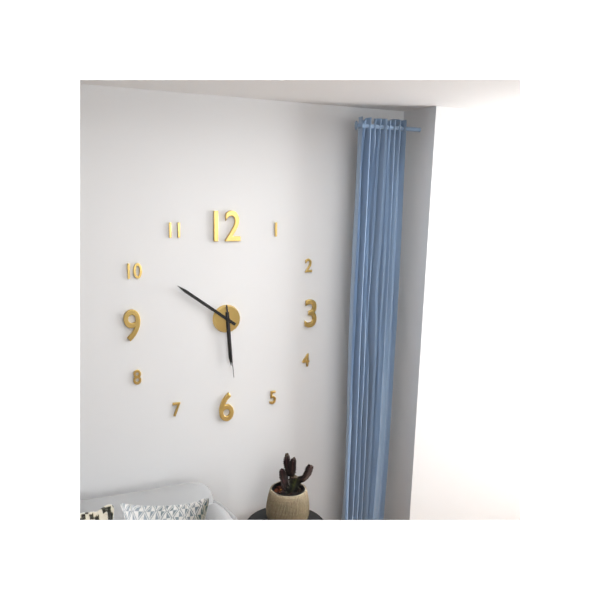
5:51:29
